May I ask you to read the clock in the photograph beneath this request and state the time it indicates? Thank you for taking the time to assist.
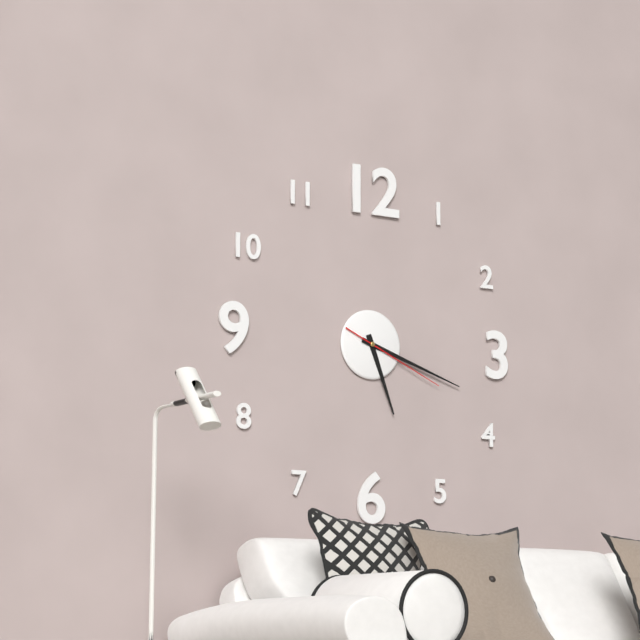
5:18:19
